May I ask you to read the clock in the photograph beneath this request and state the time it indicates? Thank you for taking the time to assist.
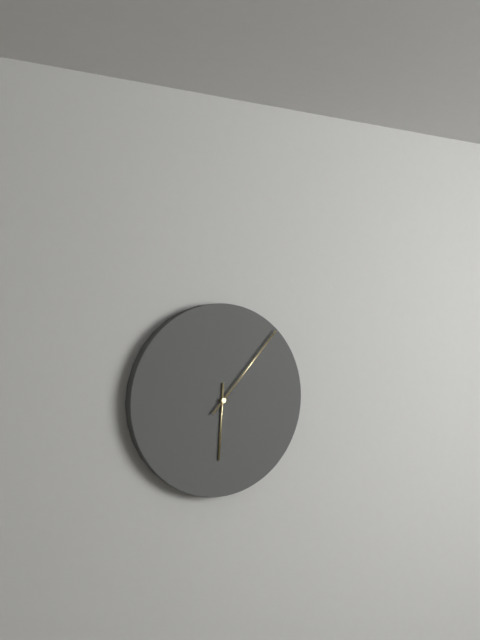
6:07
